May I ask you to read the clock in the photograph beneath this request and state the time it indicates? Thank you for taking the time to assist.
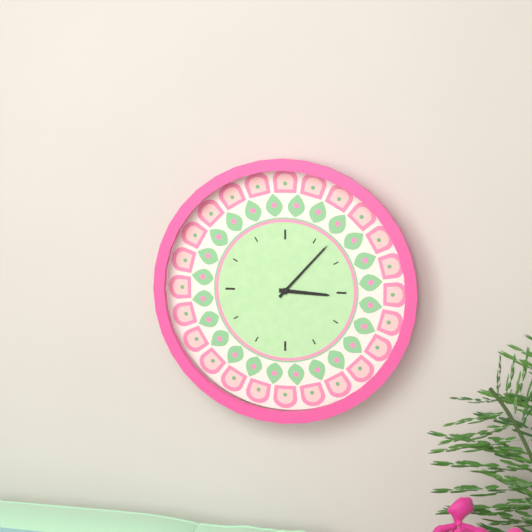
3:07
